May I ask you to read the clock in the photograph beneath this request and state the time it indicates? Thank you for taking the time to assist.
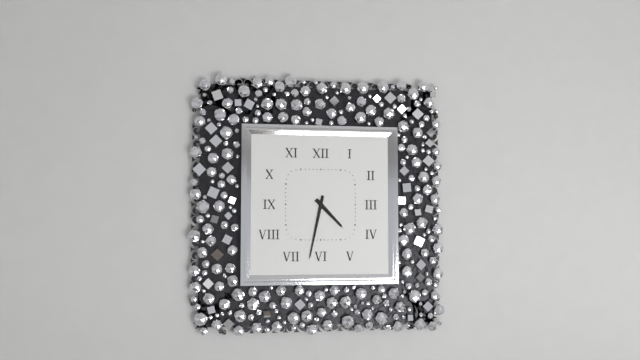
4:32
